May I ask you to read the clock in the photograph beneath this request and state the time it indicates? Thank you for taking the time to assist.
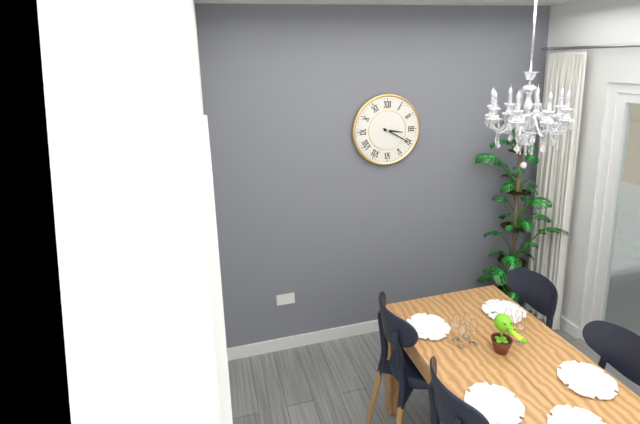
3:20
